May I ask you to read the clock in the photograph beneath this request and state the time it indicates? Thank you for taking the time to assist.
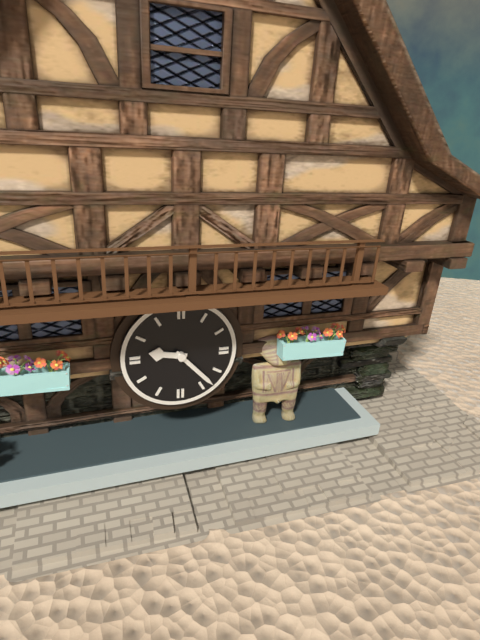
9:23
